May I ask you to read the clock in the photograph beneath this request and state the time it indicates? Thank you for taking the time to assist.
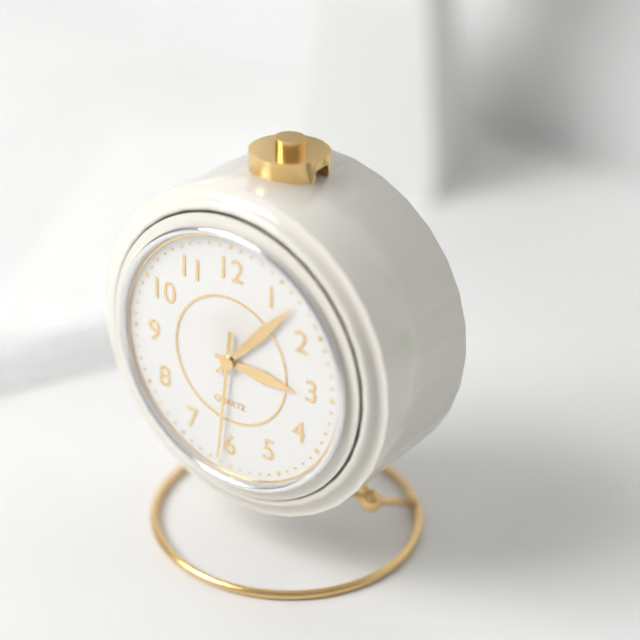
3:07:31
